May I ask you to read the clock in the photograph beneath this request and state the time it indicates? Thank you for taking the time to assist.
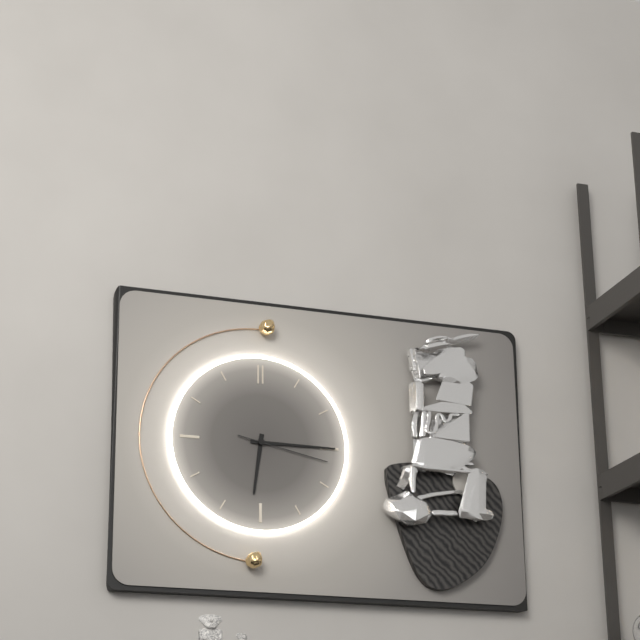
6:15:17
